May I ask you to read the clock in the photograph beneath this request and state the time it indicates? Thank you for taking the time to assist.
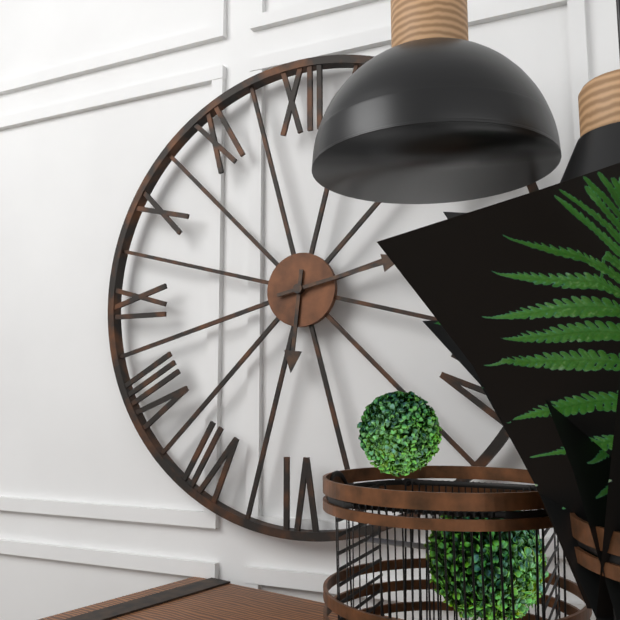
6:13
